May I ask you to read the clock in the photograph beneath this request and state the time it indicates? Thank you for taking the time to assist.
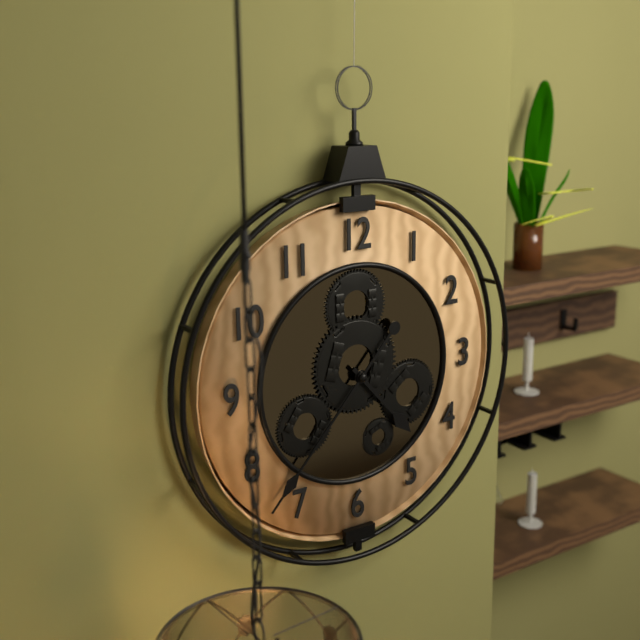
4:37
